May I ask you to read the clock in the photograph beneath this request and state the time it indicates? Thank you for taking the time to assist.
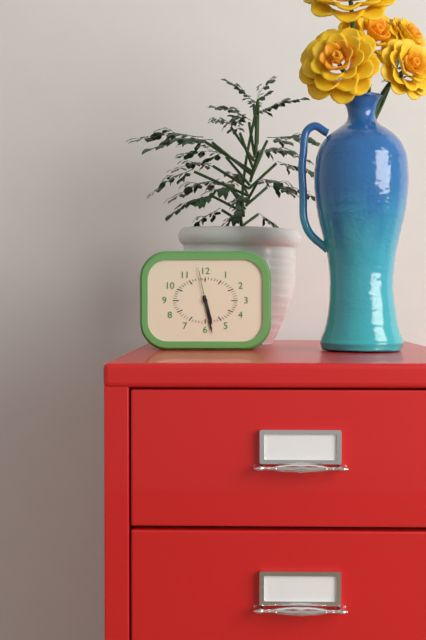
5:28
